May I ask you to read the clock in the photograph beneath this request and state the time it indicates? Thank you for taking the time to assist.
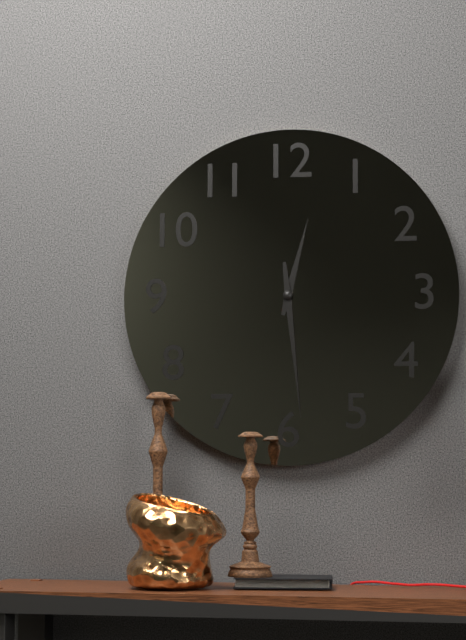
12:29
